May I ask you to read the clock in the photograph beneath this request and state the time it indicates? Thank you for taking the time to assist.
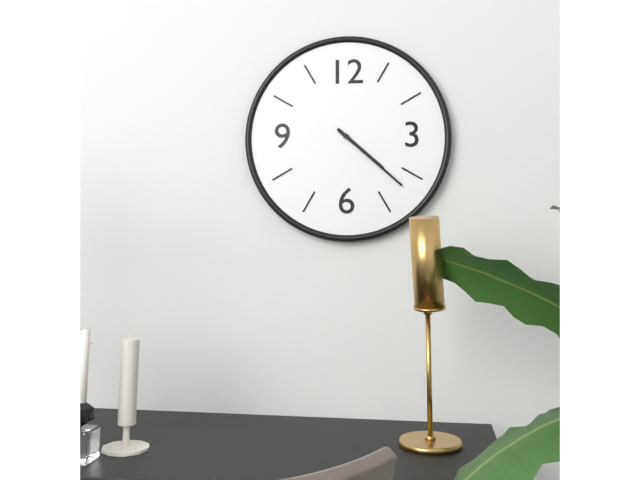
4:22
